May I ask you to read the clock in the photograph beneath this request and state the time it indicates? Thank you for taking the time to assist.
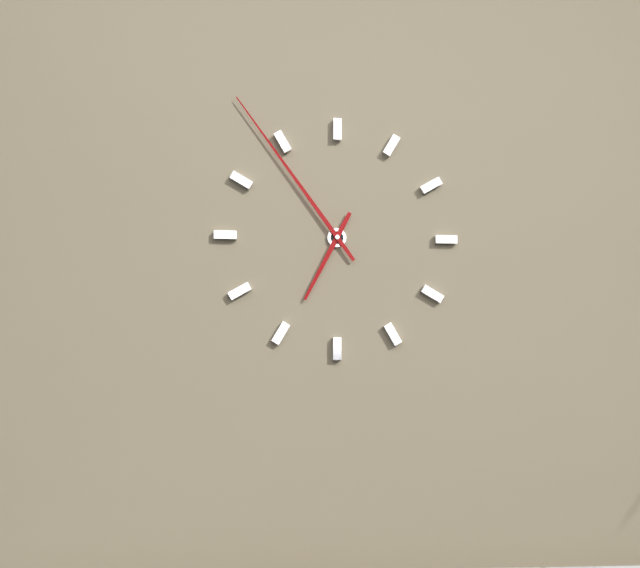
6:54
